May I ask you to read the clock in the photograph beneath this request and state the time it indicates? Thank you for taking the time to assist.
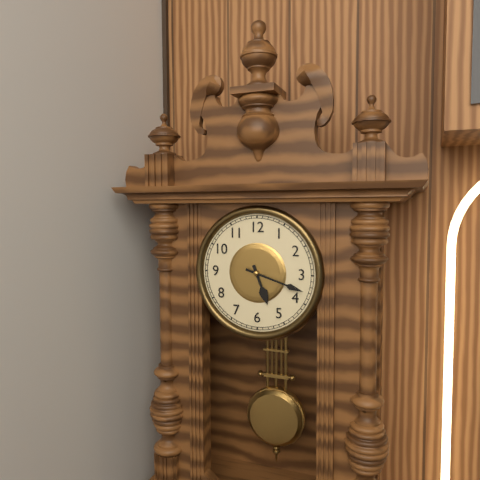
5:18
